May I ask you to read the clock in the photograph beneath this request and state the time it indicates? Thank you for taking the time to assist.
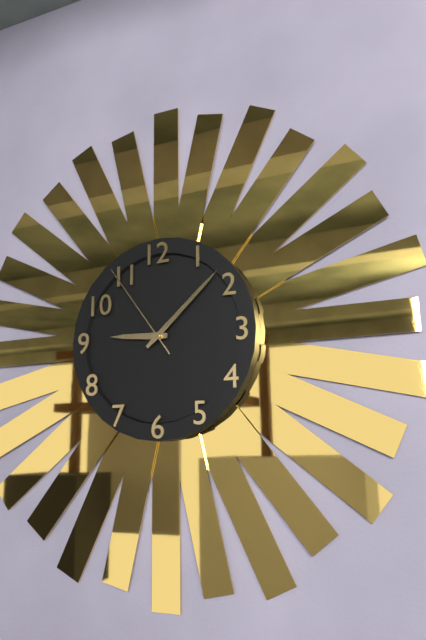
9:08:54
